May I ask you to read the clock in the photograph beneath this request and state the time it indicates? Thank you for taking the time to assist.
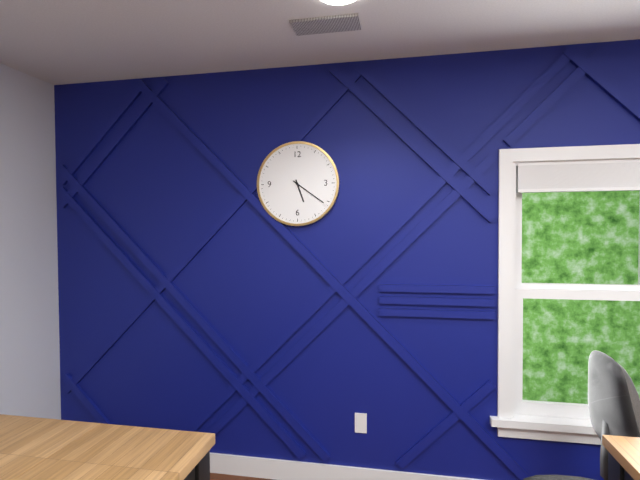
5:21
